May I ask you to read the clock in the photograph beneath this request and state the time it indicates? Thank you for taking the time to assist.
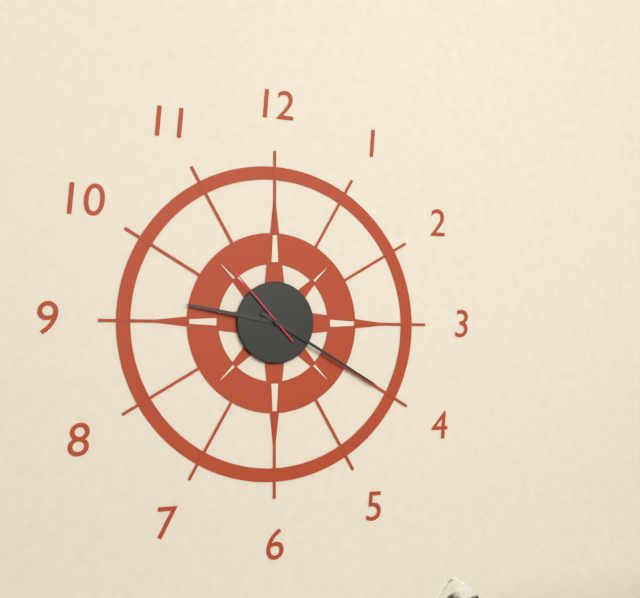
9:20:53
